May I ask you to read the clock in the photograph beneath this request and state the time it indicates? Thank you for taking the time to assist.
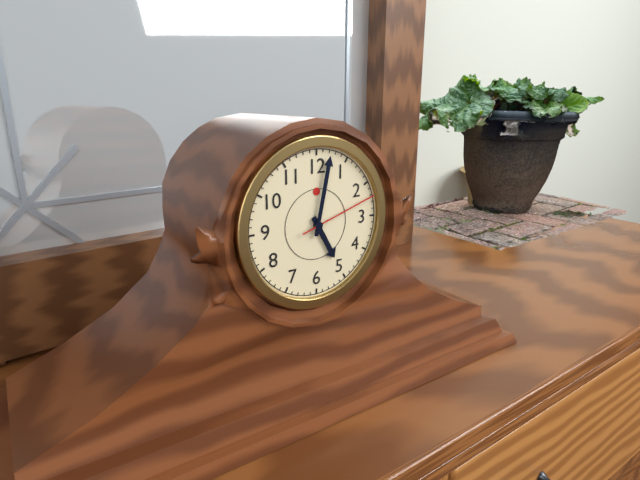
5:02:12
